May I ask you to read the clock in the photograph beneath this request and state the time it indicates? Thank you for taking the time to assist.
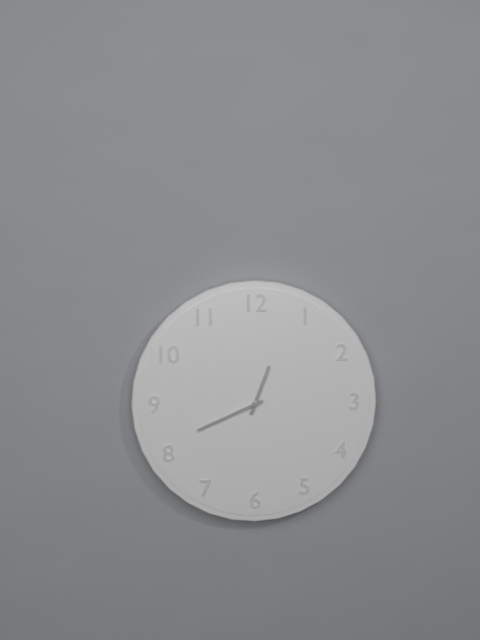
12:41
